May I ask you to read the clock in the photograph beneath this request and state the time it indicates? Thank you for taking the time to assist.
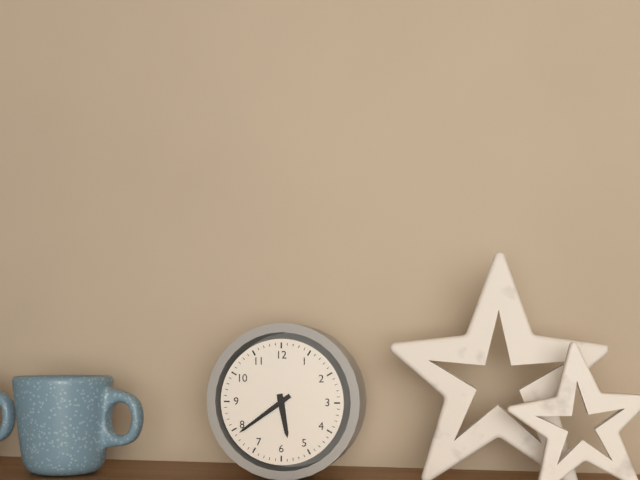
5:39
